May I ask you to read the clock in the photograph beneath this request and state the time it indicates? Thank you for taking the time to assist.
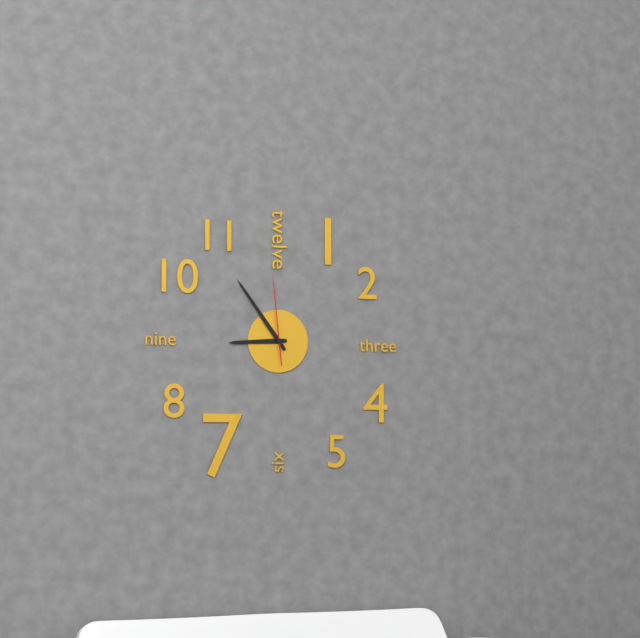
8:54:59
